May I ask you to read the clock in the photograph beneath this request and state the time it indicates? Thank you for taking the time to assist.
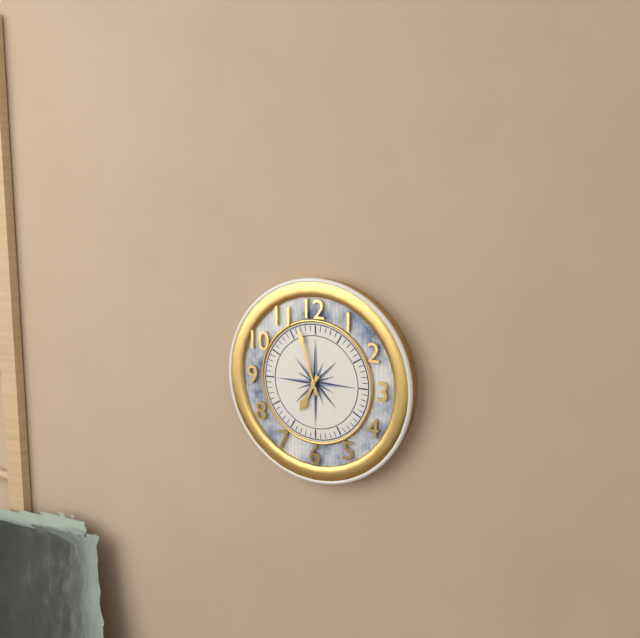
6:57
